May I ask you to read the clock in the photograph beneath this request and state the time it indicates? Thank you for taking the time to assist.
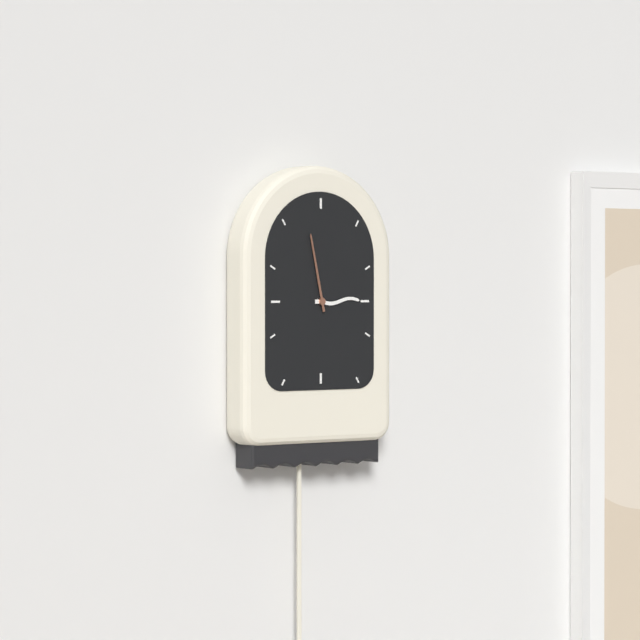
2:58
